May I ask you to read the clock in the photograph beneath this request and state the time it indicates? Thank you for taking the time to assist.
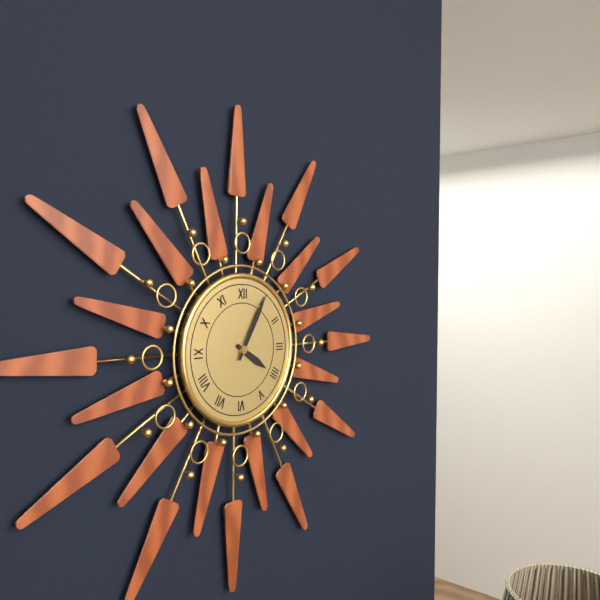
4:05
